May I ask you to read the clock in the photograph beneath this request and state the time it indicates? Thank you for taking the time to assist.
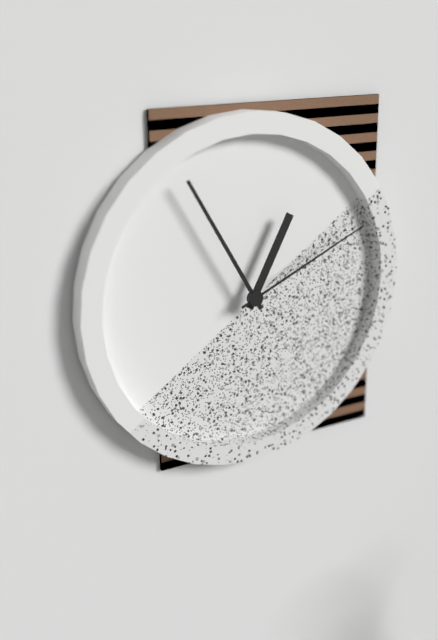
12:55:11
